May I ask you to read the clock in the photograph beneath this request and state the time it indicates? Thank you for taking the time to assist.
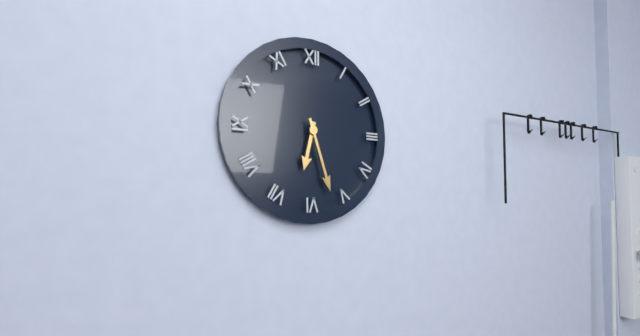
6:27
